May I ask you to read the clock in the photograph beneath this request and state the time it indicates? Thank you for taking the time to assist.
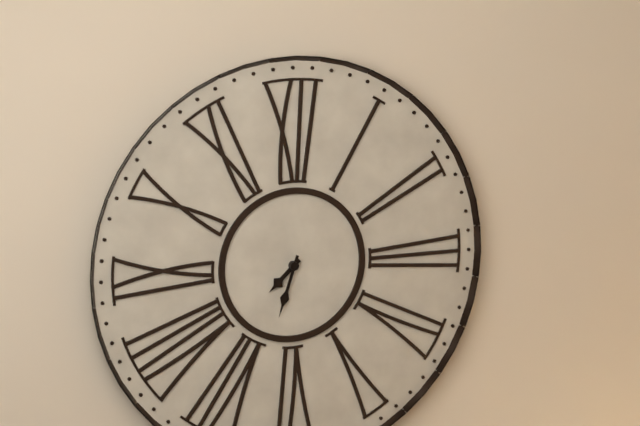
7:33
